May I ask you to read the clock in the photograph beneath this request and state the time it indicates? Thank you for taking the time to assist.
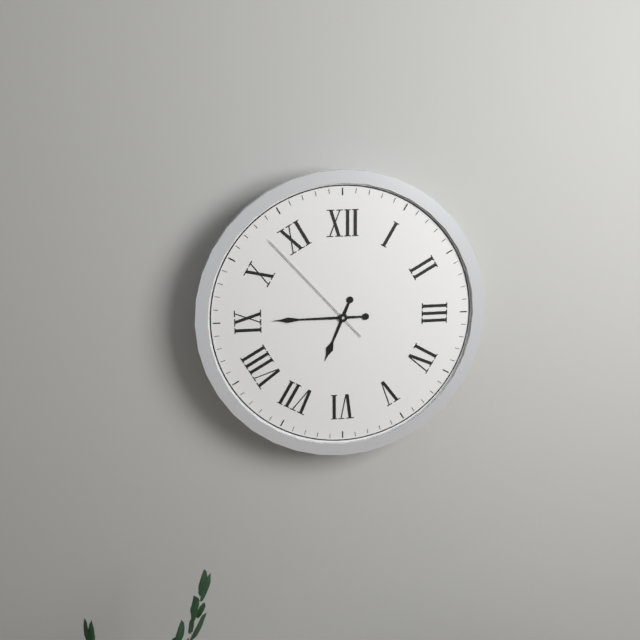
6:45:53
